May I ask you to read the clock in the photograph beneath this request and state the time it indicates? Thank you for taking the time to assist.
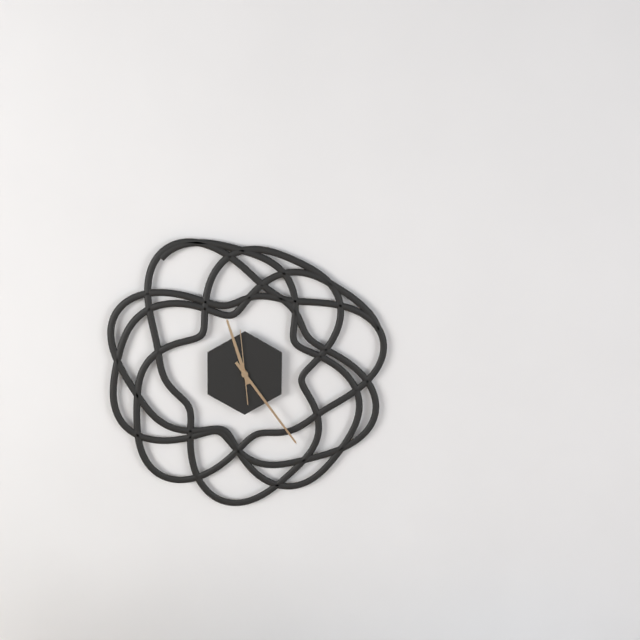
11:24:59
